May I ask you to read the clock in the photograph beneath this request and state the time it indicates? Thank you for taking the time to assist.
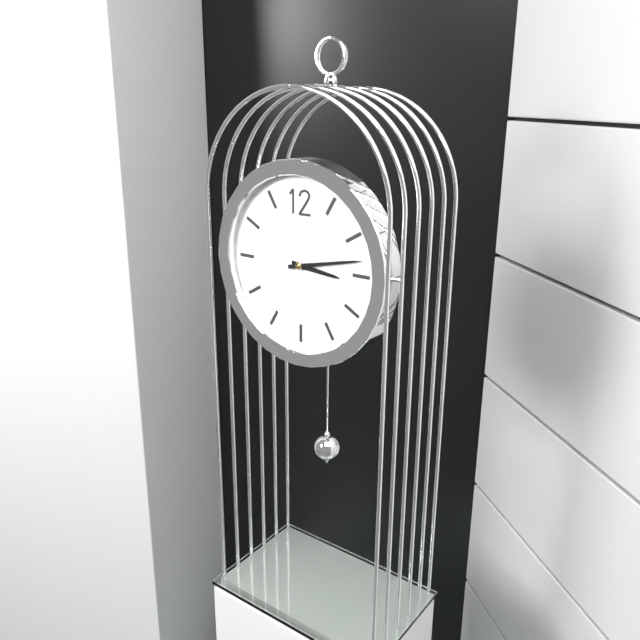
3:13
